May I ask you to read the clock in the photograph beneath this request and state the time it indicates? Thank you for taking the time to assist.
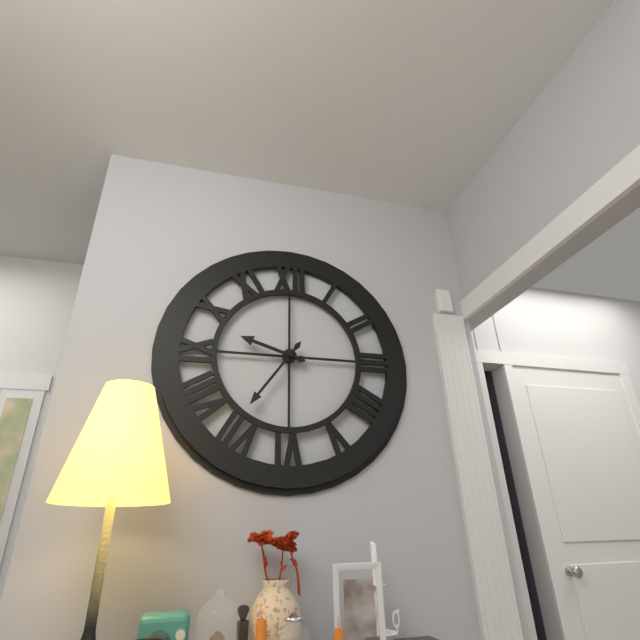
9:36
